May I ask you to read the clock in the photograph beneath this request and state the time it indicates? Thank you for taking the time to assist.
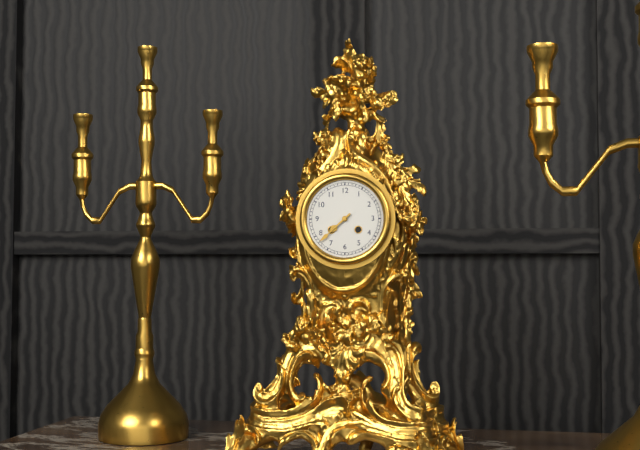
7:38
